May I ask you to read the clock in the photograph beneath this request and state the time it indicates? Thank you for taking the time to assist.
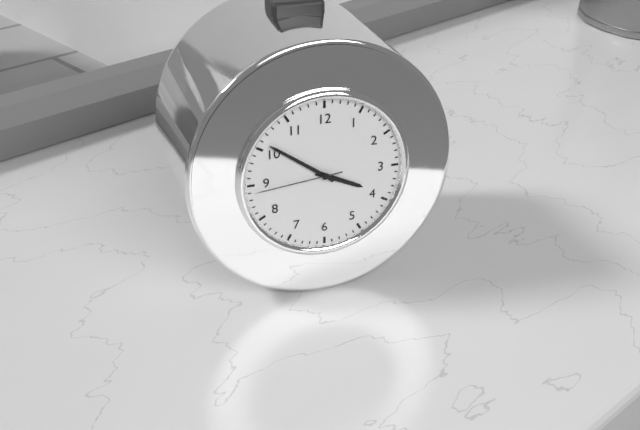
3:51:44
